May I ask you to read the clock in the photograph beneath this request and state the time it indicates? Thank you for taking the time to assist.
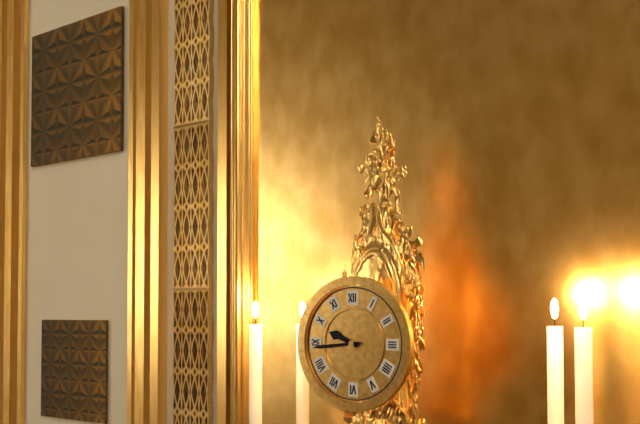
9:44
